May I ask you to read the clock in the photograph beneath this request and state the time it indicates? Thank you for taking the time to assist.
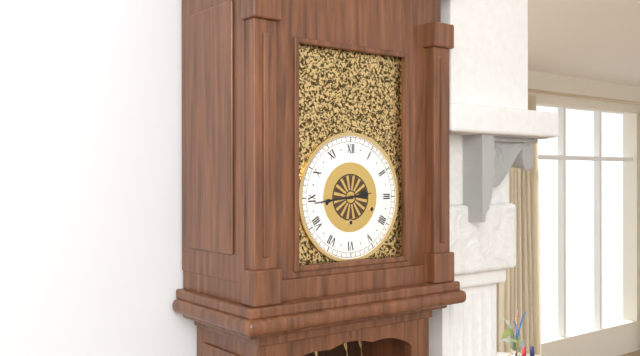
2:44
